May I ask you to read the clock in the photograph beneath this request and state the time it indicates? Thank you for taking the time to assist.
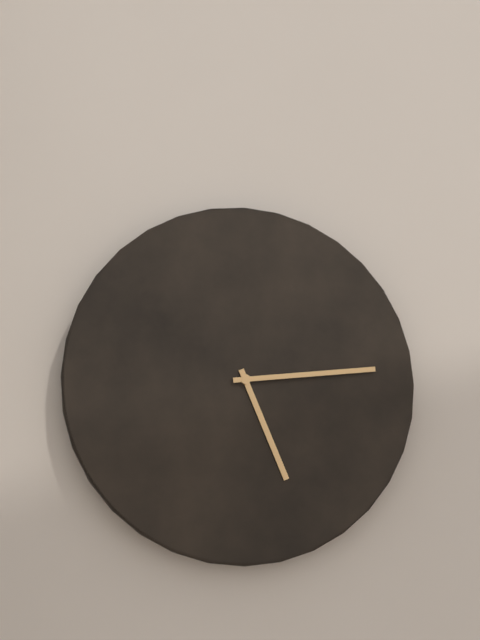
5:14
